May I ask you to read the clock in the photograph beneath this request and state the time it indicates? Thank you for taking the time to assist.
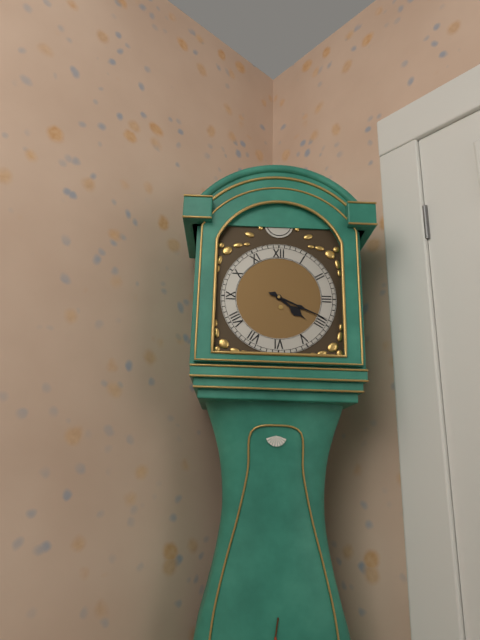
4:19
